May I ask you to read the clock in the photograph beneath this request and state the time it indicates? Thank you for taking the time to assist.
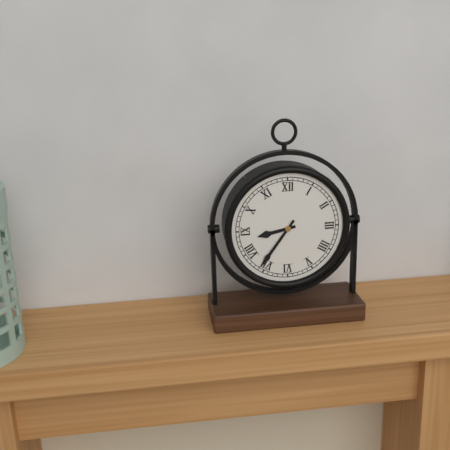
8:36
